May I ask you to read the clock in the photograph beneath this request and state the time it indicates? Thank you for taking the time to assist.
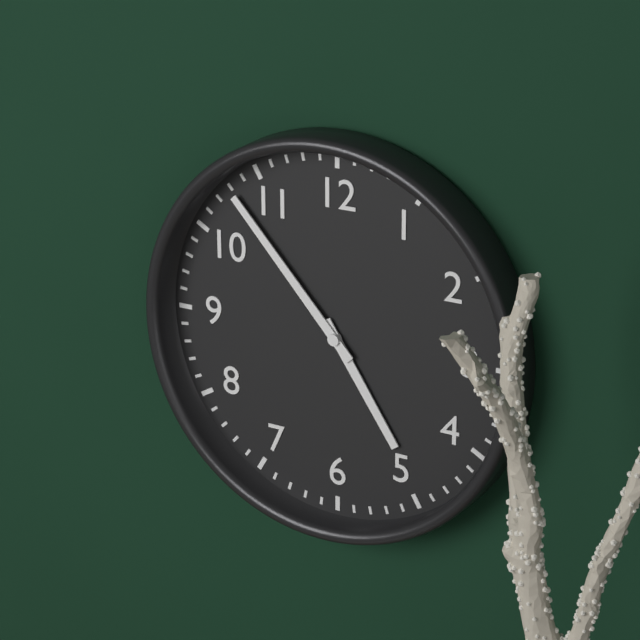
4:53
